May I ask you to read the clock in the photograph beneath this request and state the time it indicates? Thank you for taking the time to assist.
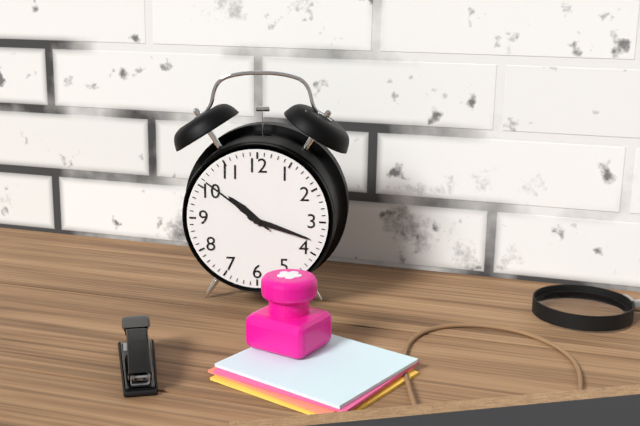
10:18:51
